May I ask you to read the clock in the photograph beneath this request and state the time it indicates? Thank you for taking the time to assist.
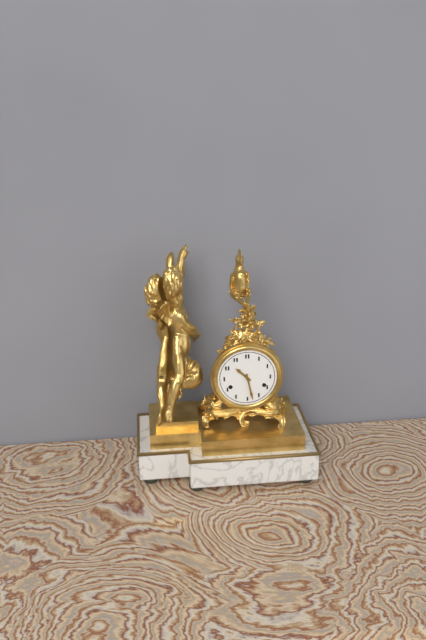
10:28
